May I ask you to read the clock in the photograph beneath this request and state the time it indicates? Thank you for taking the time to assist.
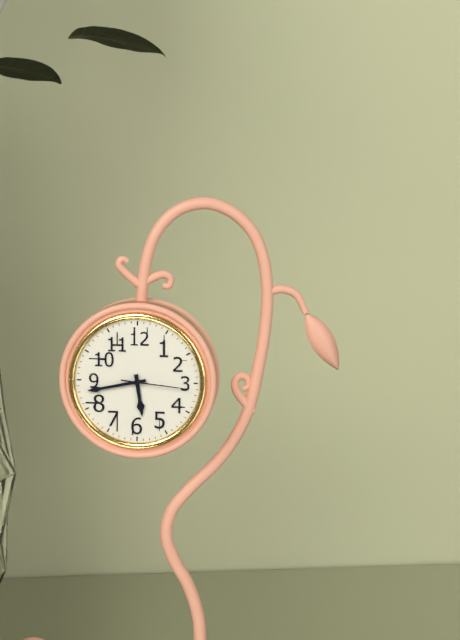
5:43:16
